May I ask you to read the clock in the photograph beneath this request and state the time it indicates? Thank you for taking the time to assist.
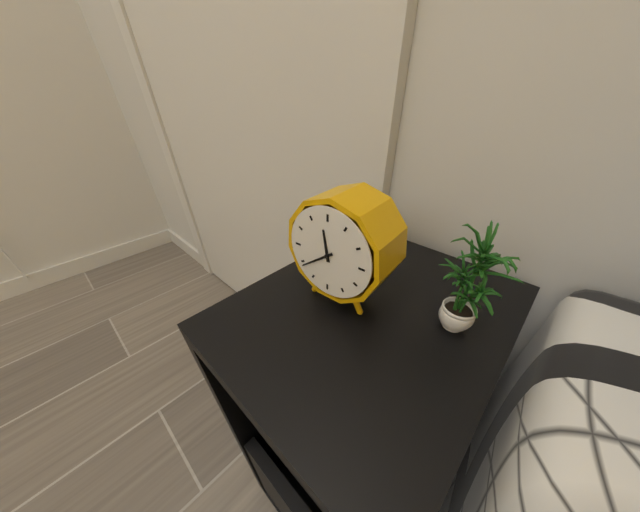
11:39
